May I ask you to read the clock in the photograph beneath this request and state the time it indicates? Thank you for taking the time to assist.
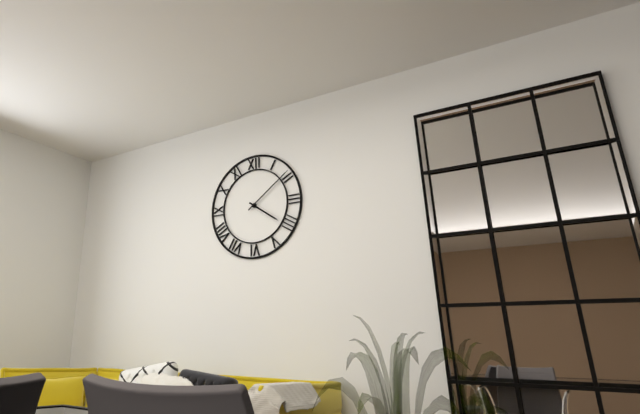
4:09
